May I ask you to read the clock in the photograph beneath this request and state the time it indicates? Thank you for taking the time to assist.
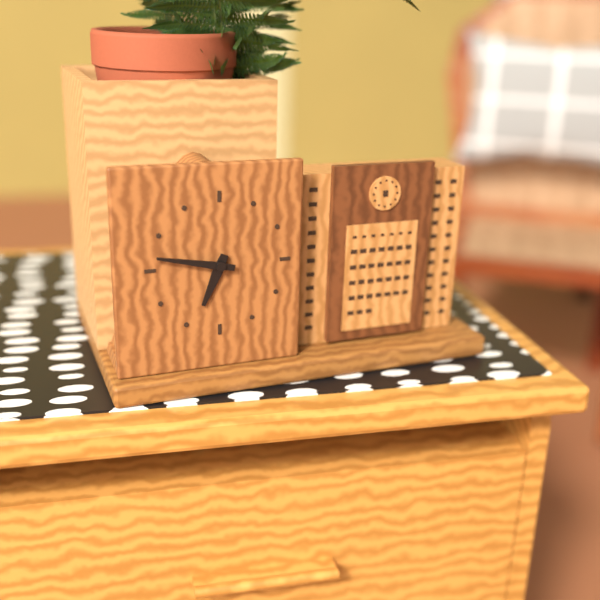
6:47
